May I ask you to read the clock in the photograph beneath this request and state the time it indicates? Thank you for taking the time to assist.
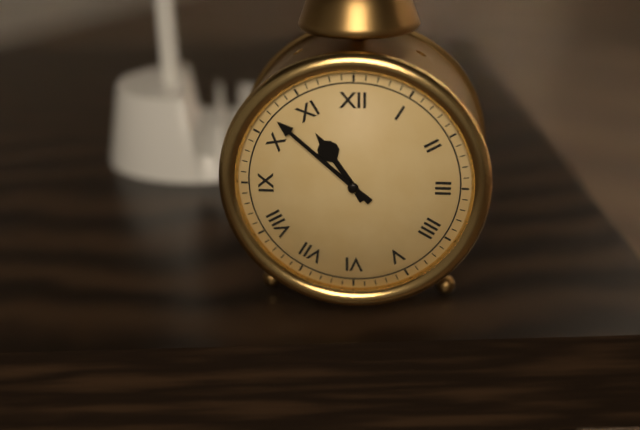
10:52
